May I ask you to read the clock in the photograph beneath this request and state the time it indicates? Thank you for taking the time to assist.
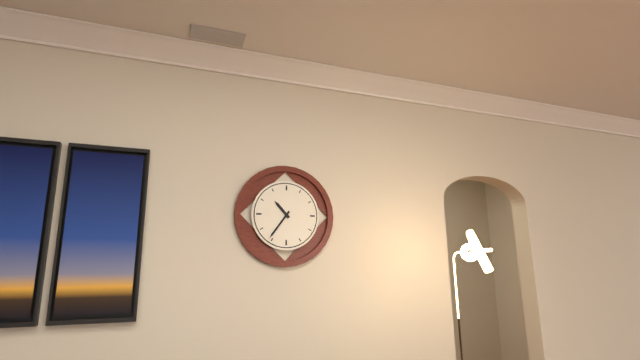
10:36
